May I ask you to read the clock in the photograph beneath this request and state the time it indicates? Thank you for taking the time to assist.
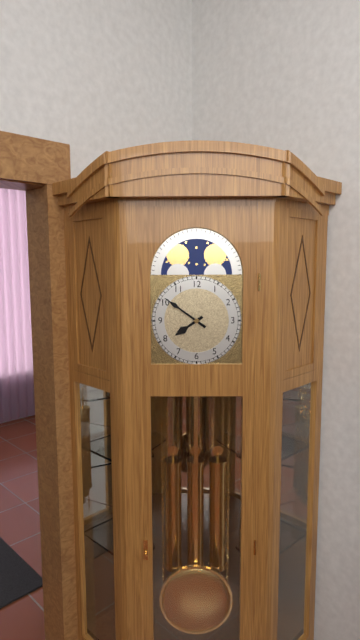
7:51
